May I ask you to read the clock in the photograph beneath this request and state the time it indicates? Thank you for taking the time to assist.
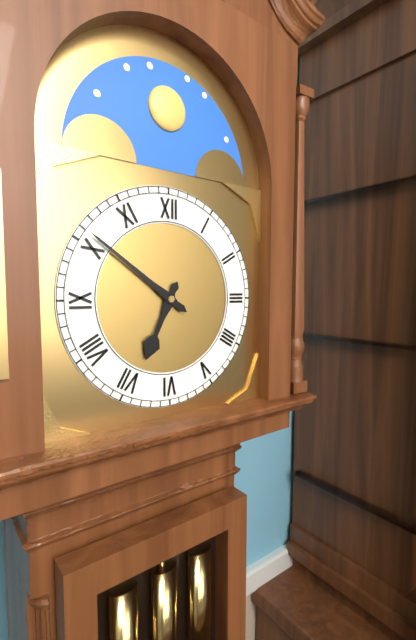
6:51
